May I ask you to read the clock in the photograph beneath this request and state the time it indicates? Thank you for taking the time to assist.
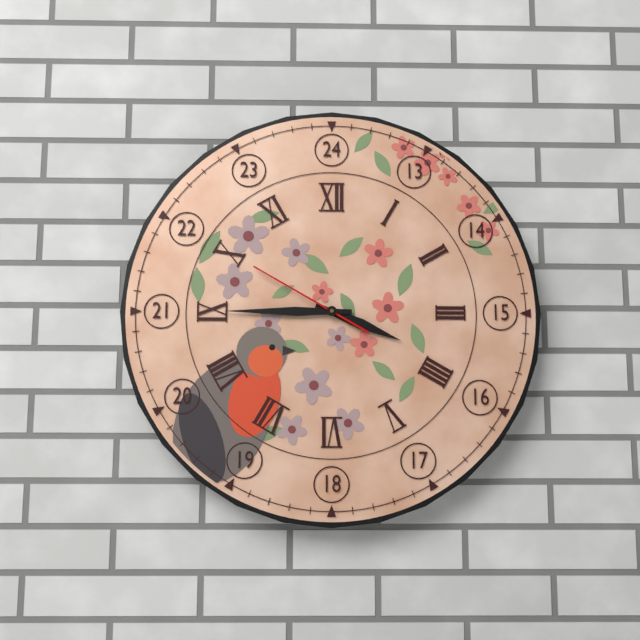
3:45:50
